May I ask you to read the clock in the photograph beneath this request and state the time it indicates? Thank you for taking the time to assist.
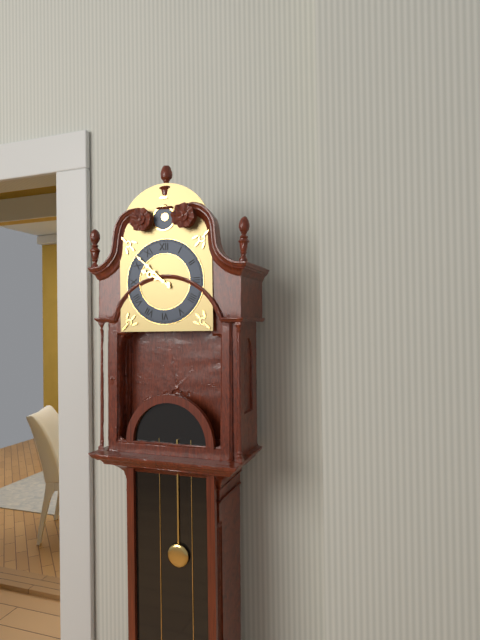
9:52
